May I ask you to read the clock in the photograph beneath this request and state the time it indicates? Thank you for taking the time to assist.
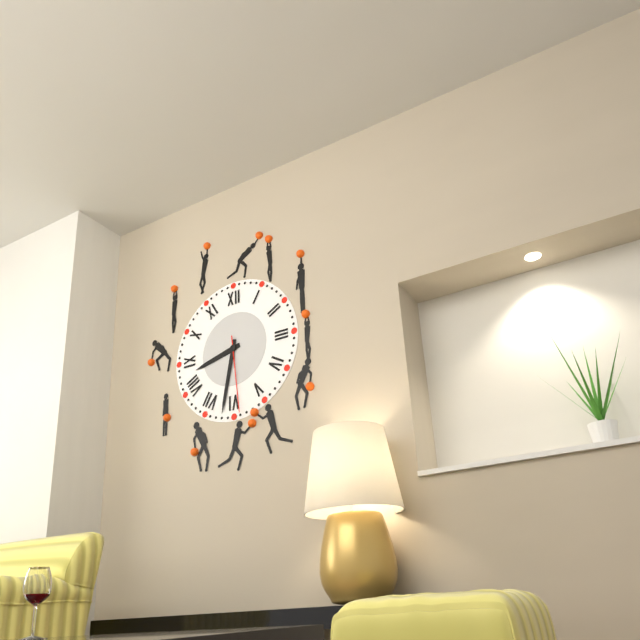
8:32:29
